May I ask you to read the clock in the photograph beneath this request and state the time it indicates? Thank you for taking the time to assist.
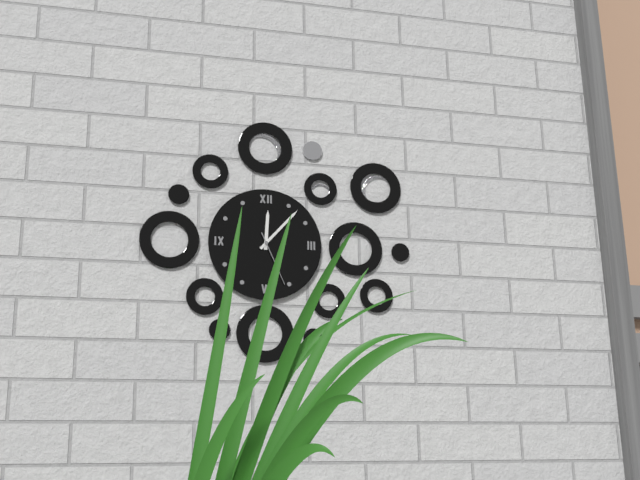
12:07:26
